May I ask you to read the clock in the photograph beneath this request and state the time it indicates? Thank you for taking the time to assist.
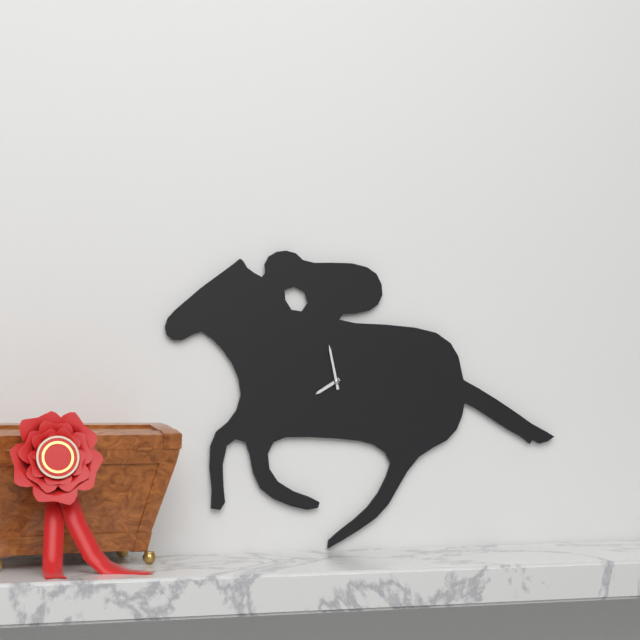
7:58
